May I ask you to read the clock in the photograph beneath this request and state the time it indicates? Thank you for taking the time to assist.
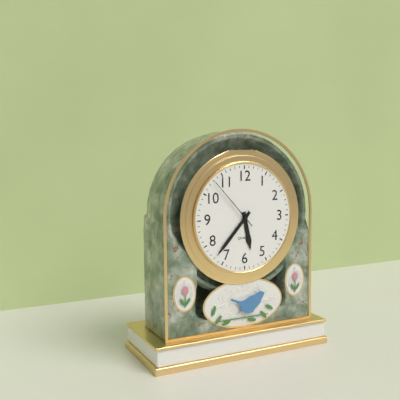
5:37:53
